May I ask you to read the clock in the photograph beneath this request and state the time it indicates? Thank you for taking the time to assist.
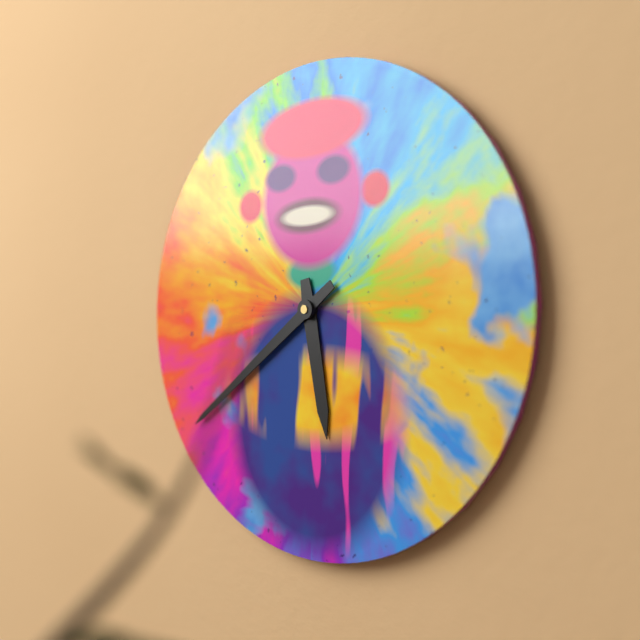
5:39
